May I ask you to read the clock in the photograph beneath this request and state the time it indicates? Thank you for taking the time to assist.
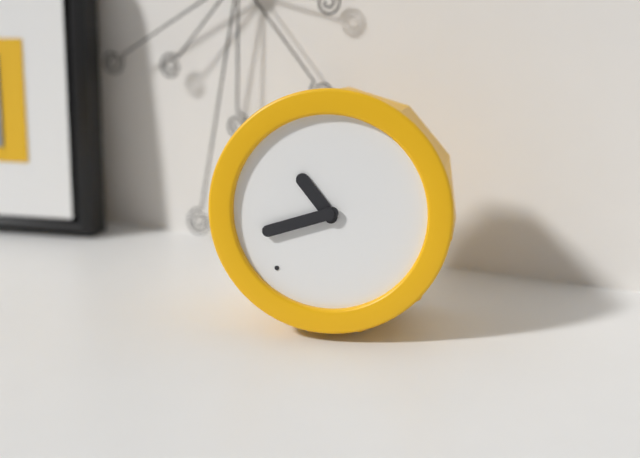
10:42
